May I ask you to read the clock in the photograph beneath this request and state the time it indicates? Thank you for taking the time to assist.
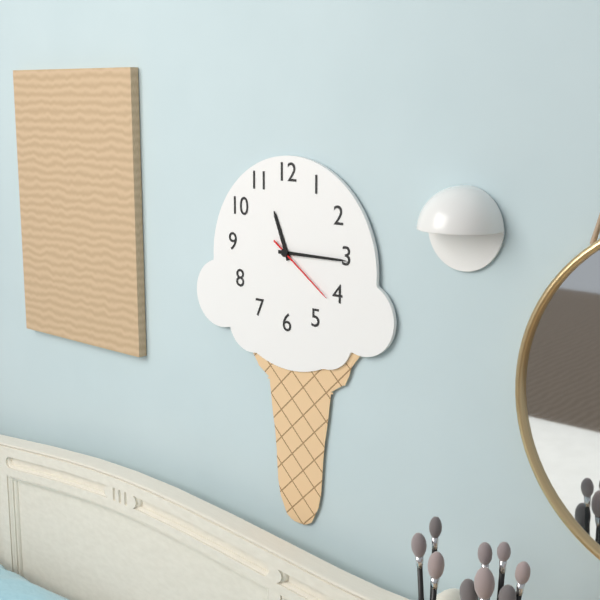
11:15:21
